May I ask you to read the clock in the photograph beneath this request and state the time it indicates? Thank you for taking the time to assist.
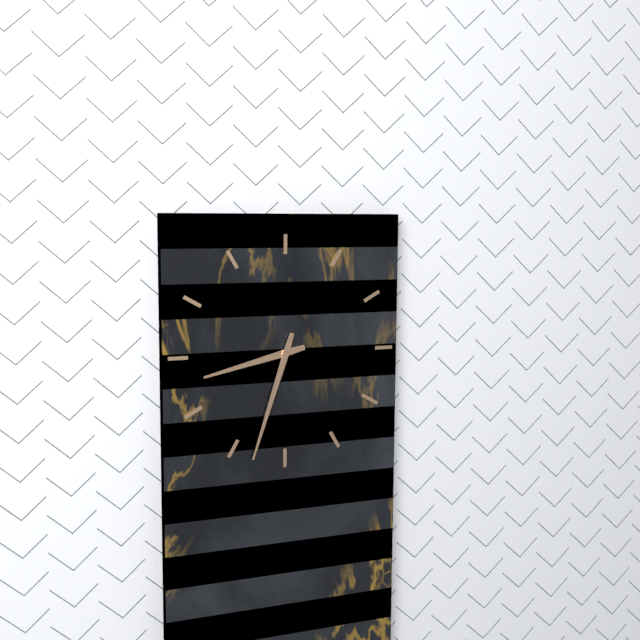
8:33
